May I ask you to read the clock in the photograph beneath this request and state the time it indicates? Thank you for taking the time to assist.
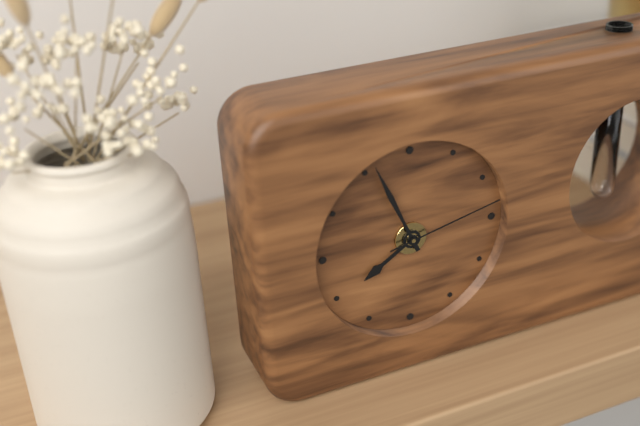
7:56:13
